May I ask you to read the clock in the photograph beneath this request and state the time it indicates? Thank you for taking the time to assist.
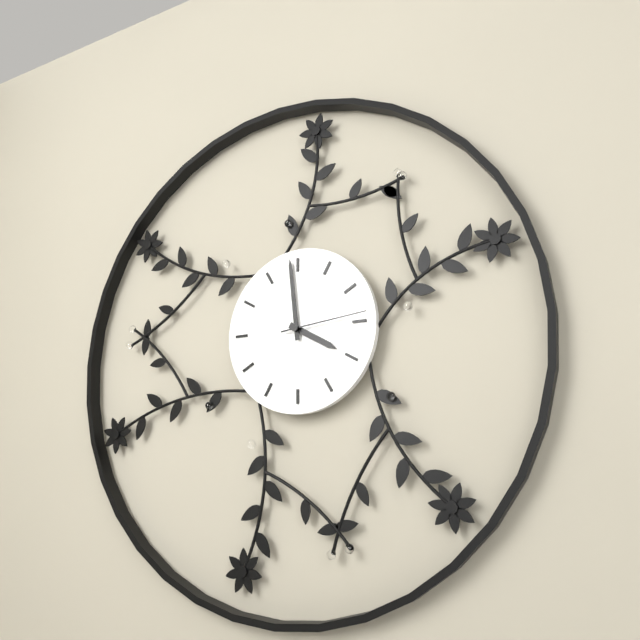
3:59:14
